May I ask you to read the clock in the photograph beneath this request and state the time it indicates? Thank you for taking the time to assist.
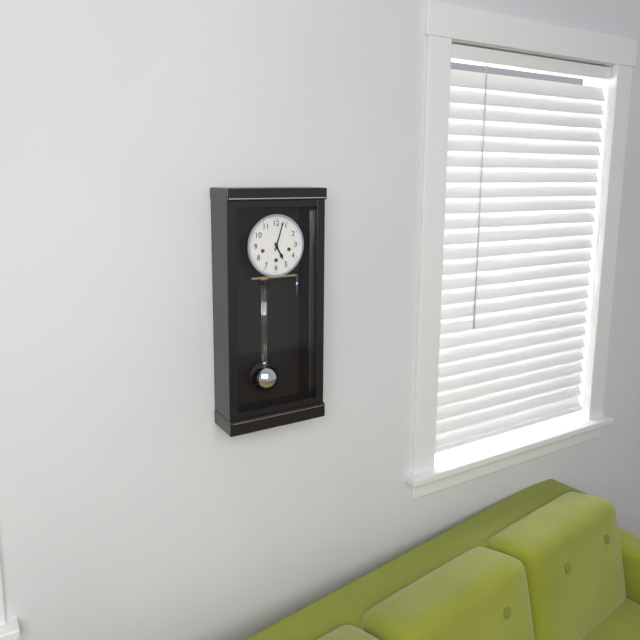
5:03
